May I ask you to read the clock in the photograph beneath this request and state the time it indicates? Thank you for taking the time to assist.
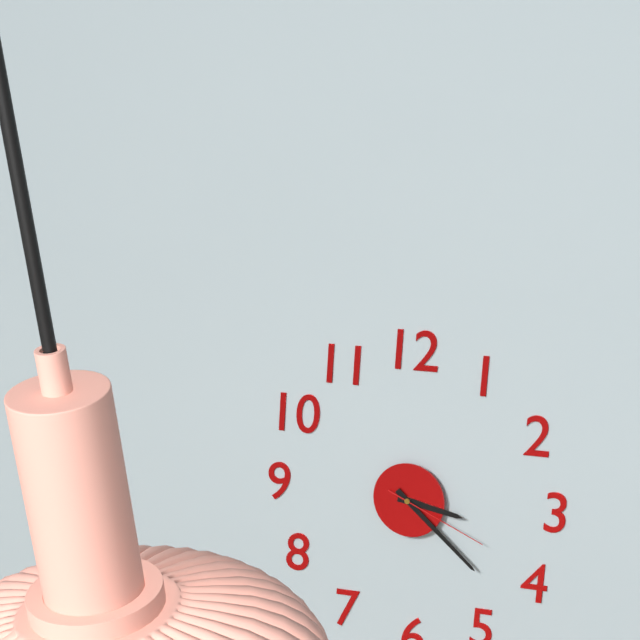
3:22:19
